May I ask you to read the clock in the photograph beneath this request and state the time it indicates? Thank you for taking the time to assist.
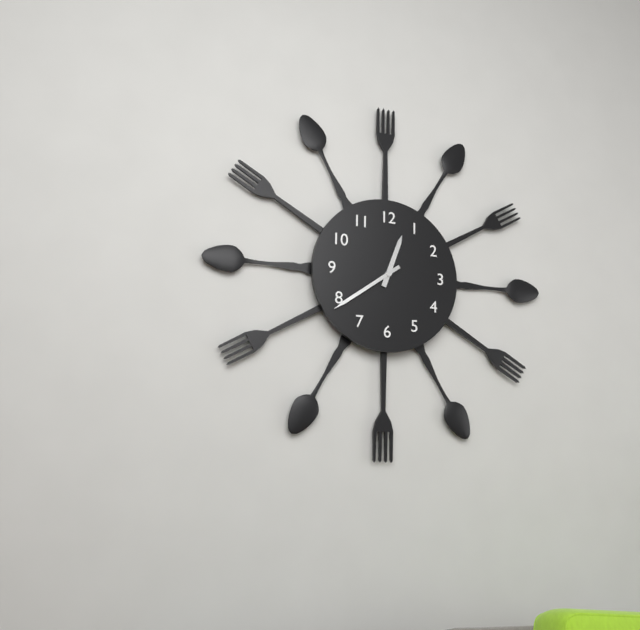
12:39
